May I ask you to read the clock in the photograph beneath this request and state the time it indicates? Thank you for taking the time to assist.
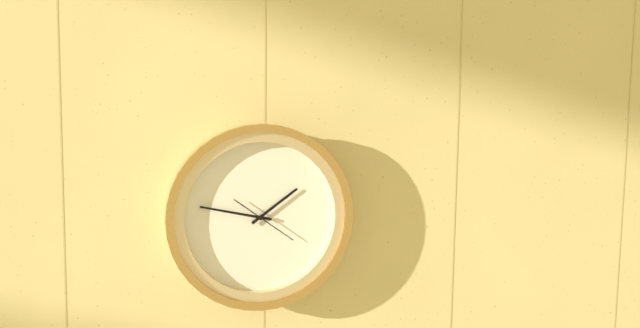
1:47:21
